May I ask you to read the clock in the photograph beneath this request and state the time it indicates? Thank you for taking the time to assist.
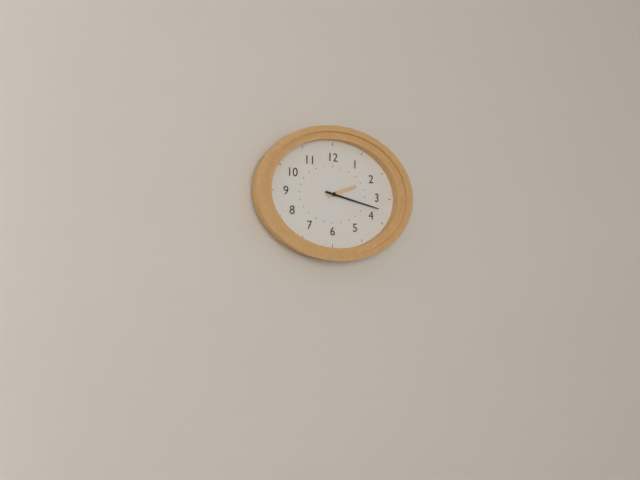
2:17
